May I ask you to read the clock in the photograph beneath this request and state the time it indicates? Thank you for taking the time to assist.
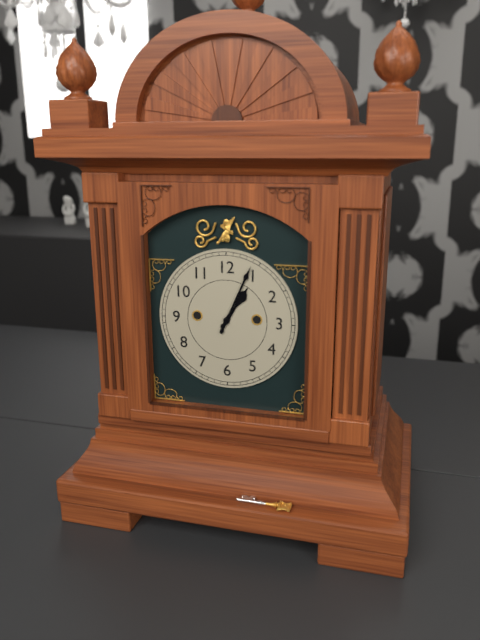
1:04
